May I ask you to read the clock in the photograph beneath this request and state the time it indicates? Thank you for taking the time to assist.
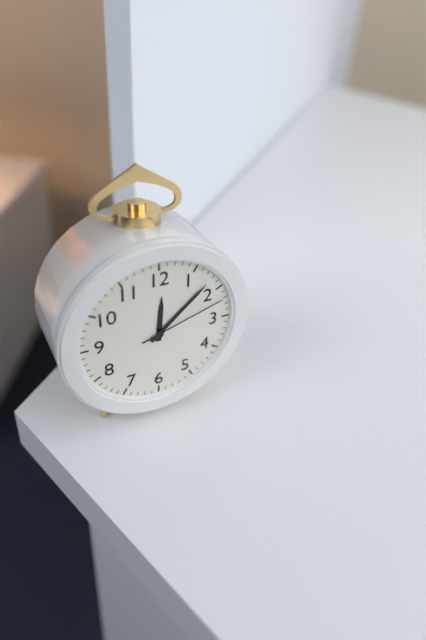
12:08:12
